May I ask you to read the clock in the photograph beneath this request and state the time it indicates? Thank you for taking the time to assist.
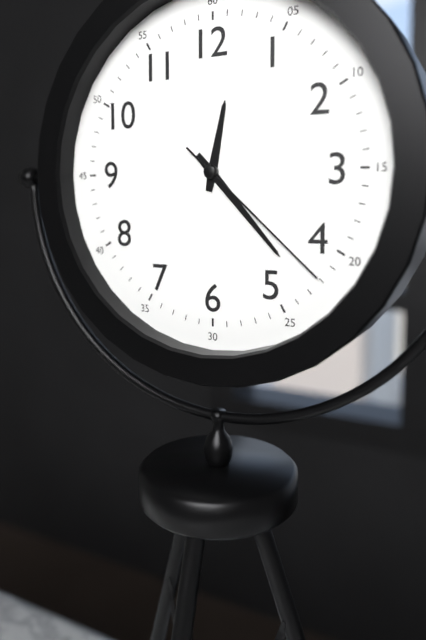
12:23:22
